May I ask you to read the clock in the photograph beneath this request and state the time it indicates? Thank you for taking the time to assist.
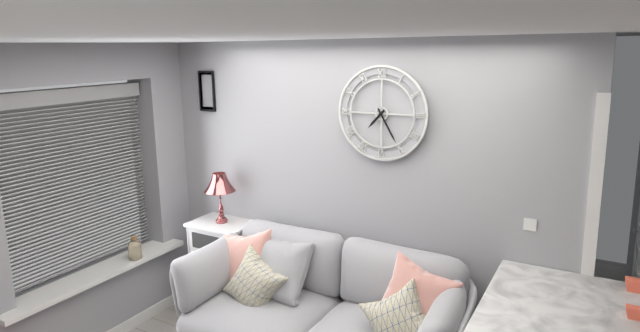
7:25
